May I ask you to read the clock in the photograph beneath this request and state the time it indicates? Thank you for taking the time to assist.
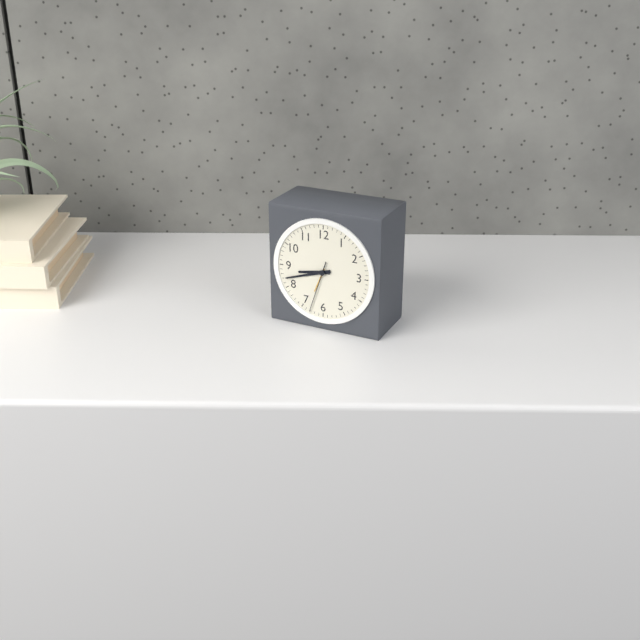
8:42:33
